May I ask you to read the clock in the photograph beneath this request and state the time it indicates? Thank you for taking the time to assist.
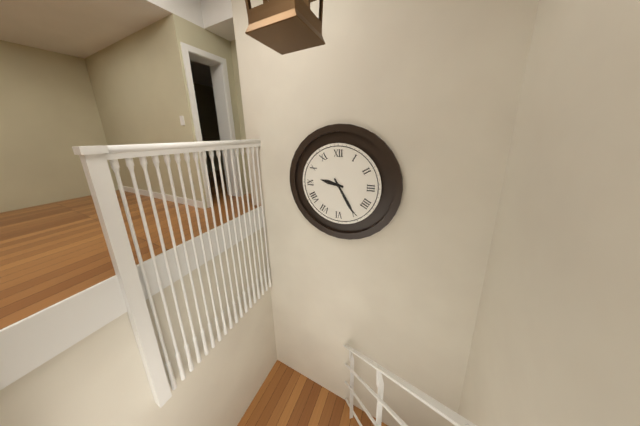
9:25
